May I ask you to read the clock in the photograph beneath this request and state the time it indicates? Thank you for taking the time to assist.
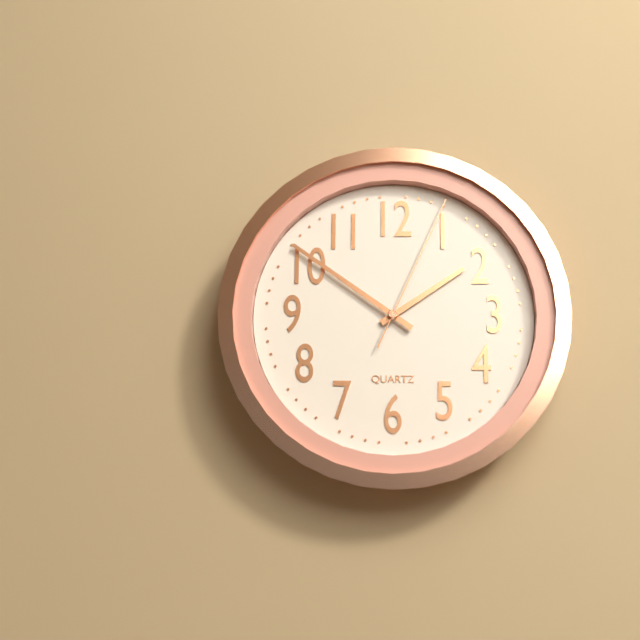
1:51:04
